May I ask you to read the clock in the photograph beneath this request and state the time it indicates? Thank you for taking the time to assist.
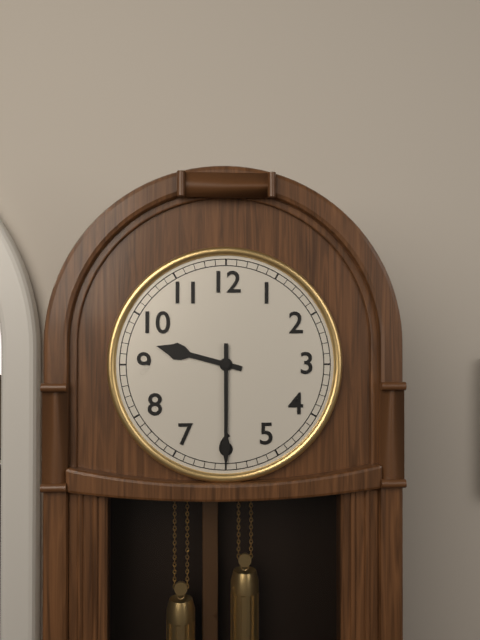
9:30
